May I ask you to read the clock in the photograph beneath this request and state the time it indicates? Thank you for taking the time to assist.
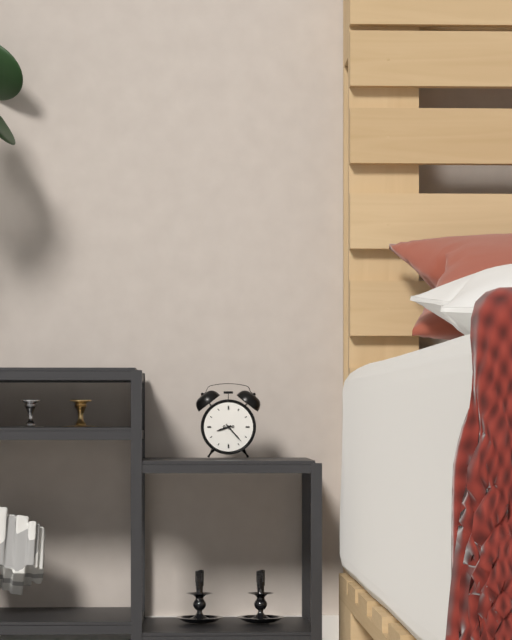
8:23
